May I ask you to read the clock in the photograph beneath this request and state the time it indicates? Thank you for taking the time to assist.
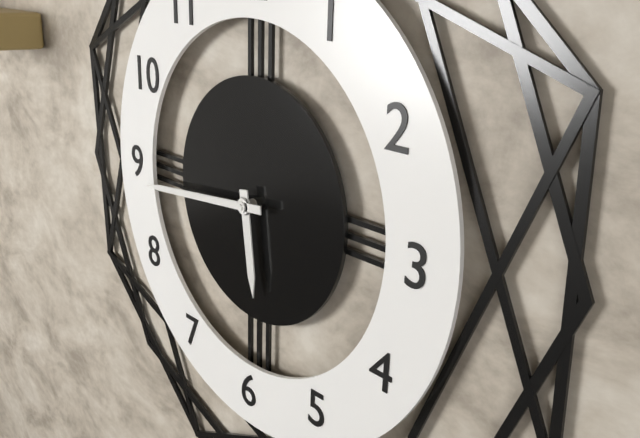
5:44
